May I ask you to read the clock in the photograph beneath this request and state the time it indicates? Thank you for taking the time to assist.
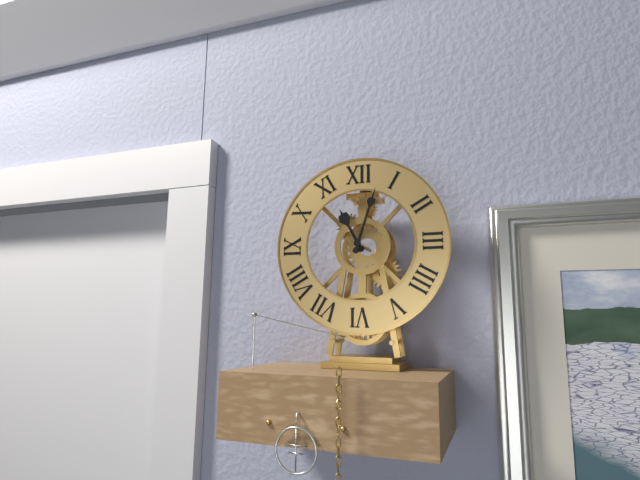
11:03
